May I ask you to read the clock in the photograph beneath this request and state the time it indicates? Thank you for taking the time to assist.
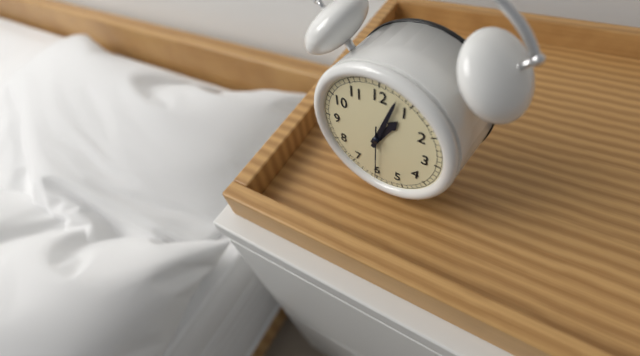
1:03
